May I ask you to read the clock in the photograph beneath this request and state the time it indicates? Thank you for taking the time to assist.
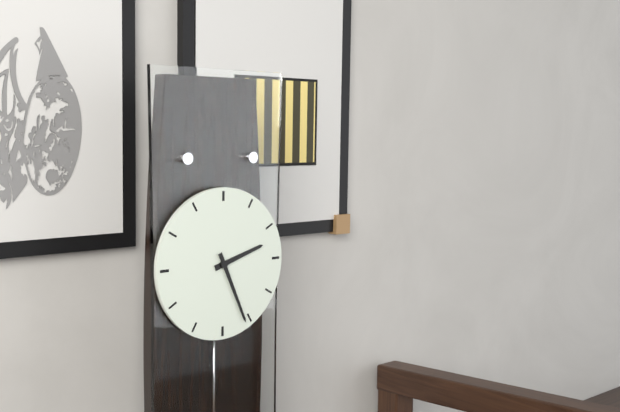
2:26
